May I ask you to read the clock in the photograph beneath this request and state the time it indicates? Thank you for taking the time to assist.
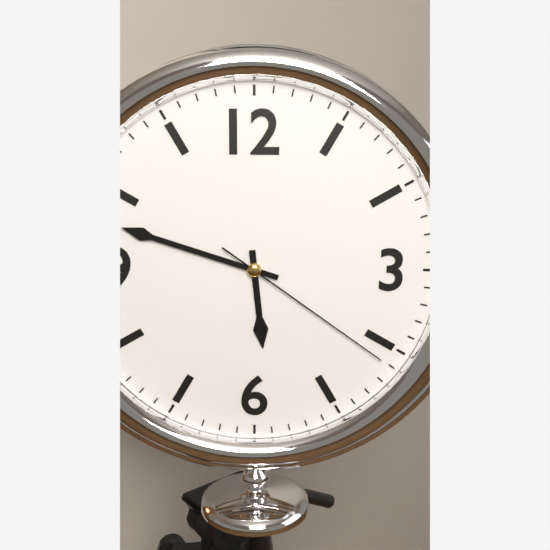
5:48:21
